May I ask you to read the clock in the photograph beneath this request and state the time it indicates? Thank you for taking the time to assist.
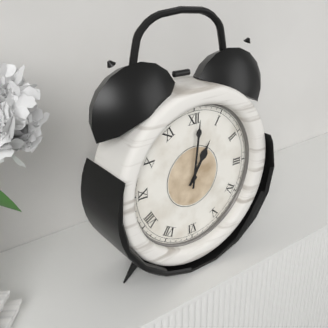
1:01
